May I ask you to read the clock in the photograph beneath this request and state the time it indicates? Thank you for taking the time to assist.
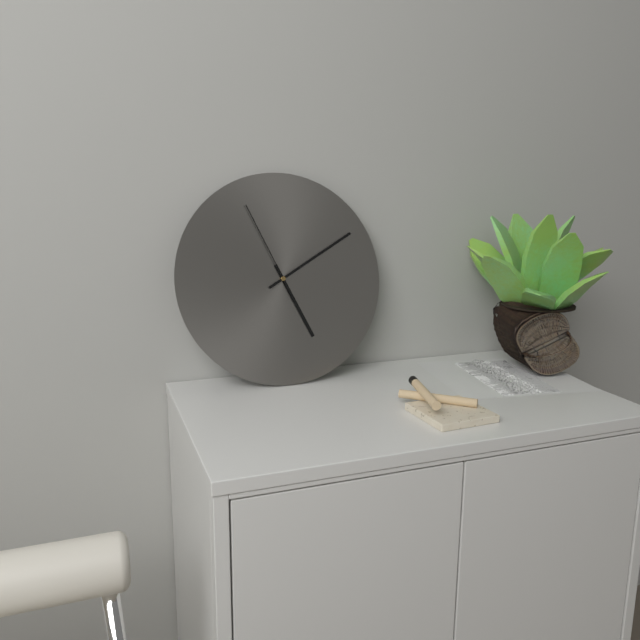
5:10:56
